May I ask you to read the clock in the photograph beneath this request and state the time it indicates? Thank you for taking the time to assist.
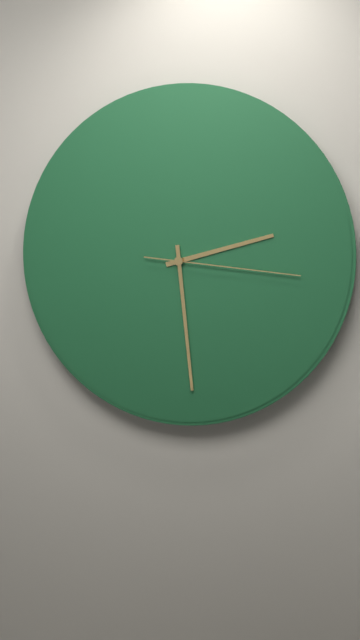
2:29:16
